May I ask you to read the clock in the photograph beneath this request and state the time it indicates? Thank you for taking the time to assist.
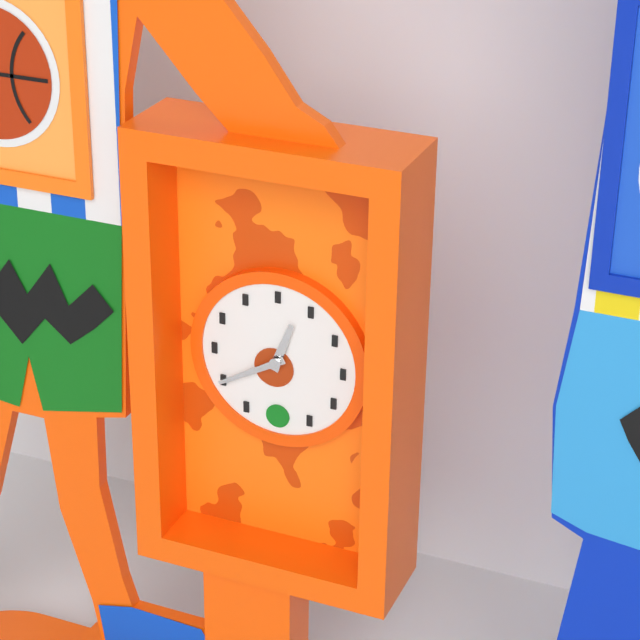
12:40
